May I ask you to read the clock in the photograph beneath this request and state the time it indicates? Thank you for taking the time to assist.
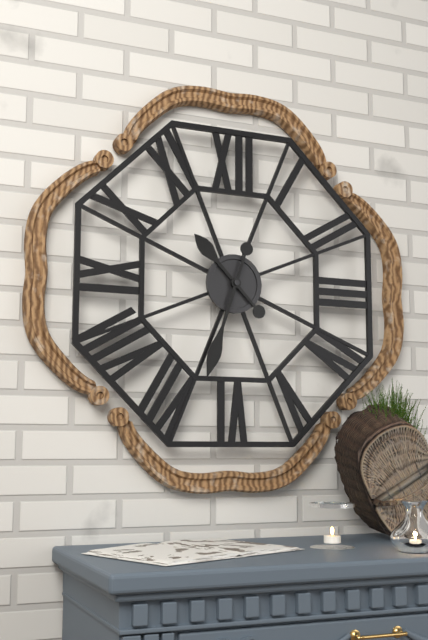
10:33
